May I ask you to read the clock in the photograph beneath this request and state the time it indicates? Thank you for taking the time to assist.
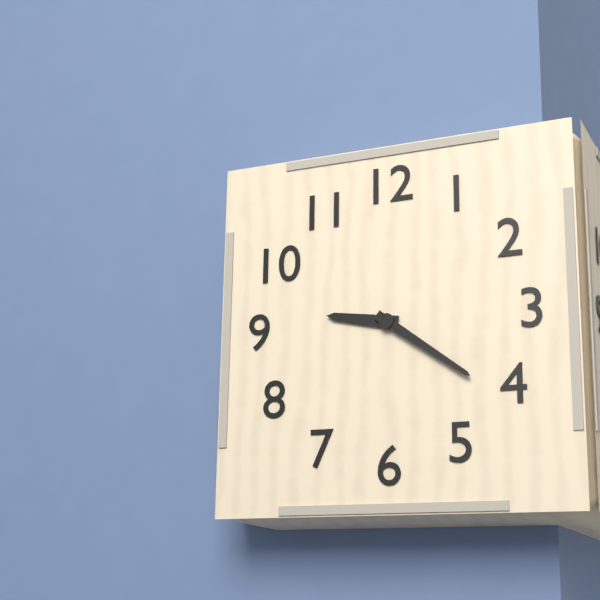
9:21
